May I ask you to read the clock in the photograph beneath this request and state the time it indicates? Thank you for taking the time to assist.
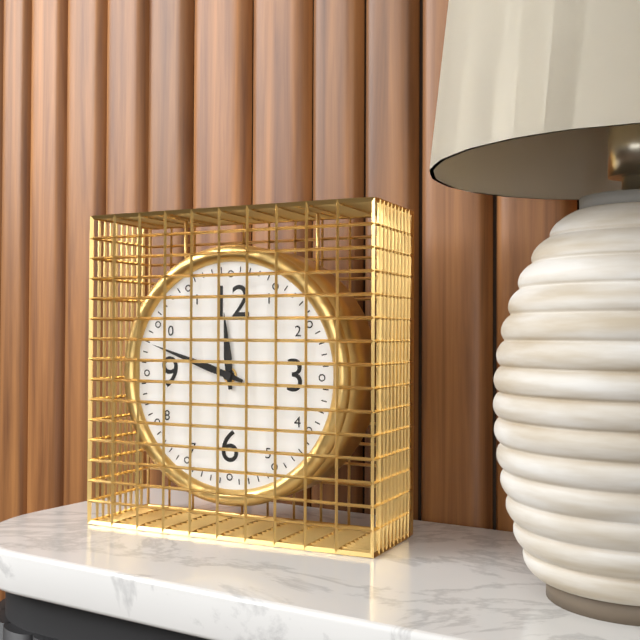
11:48
